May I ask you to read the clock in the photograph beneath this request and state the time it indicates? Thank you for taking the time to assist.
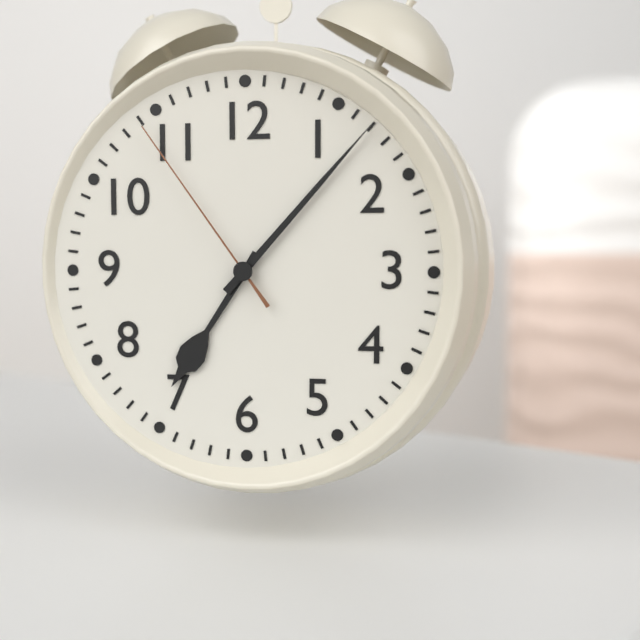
7:07:54
